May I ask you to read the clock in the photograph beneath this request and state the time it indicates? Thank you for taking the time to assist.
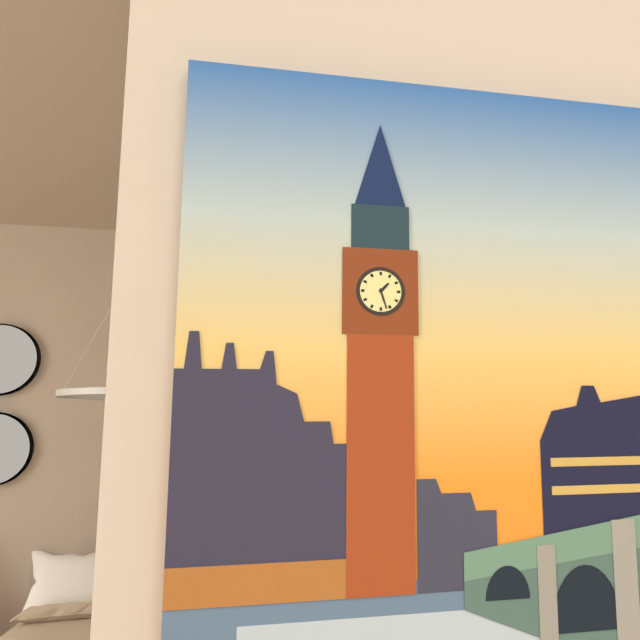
1:27
